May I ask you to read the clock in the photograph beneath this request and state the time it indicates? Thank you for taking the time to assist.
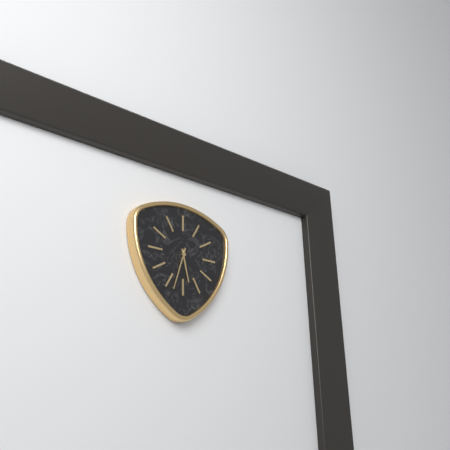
5:33
